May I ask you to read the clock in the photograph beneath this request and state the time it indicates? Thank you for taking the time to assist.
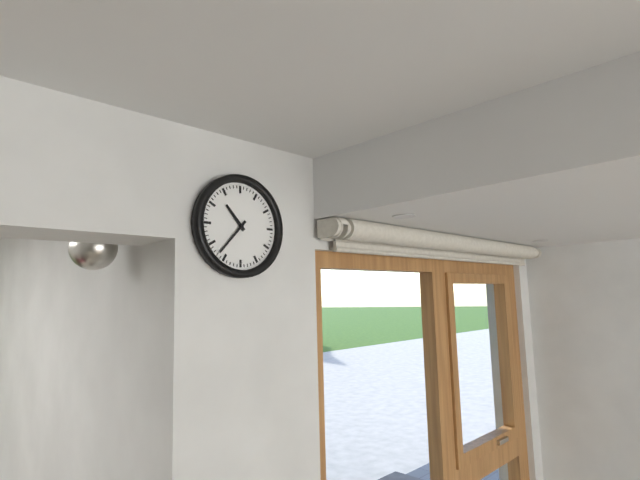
10:37
